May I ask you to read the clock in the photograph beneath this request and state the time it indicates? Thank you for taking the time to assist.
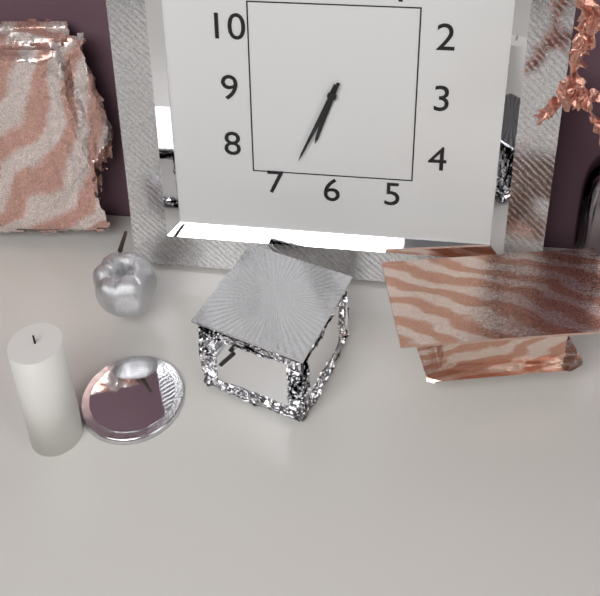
6:34
